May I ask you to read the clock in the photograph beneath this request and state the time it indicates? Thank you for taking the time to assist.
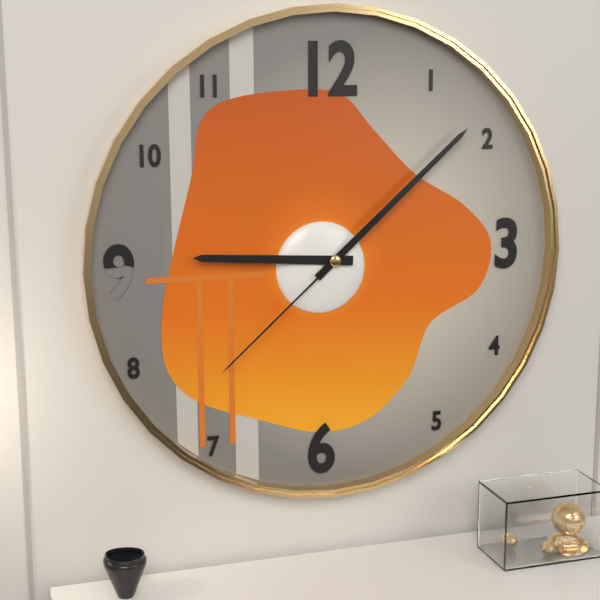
9:08:38
